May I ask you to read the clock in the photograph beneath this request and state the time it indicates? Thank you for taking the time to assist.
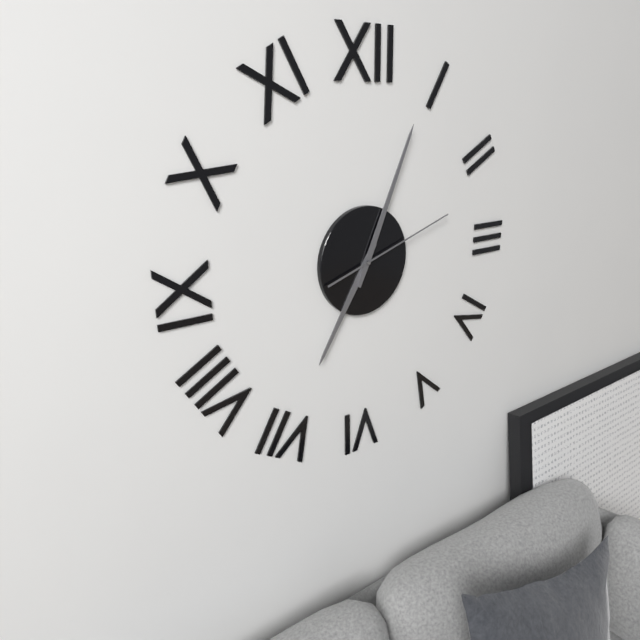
7:04:12
